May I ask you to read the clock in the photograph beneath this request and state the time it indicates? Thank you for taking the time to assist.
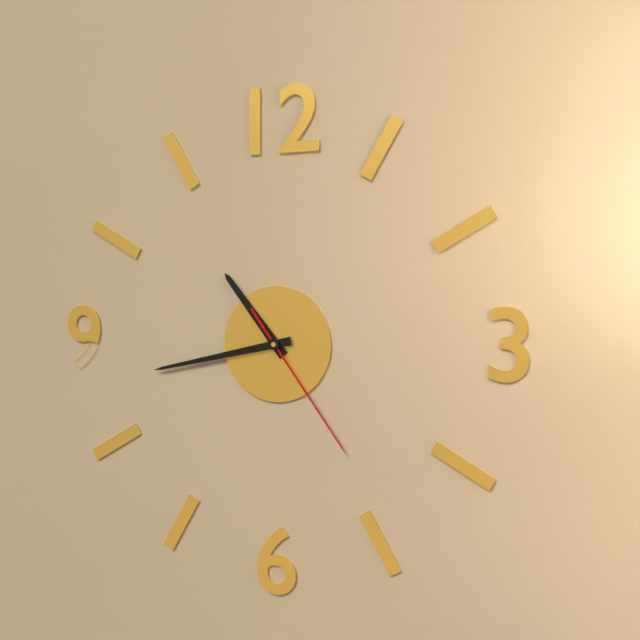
10:43:24
